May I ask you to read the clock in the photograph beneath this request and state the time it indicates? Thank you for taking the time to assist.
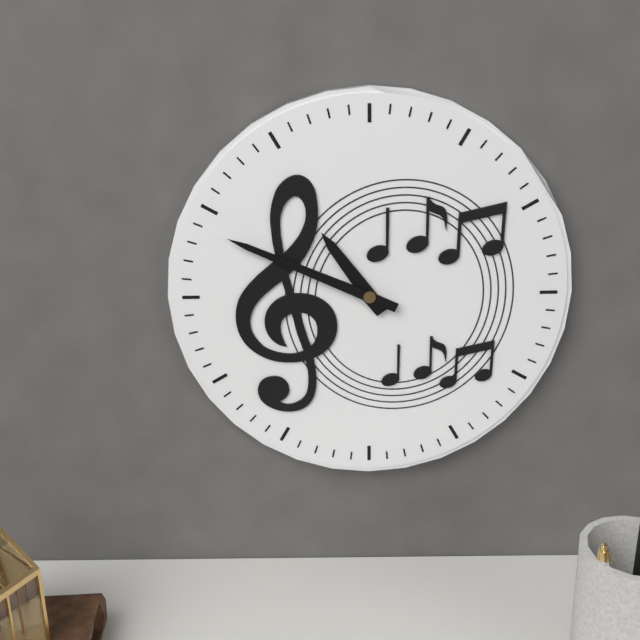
10:49
